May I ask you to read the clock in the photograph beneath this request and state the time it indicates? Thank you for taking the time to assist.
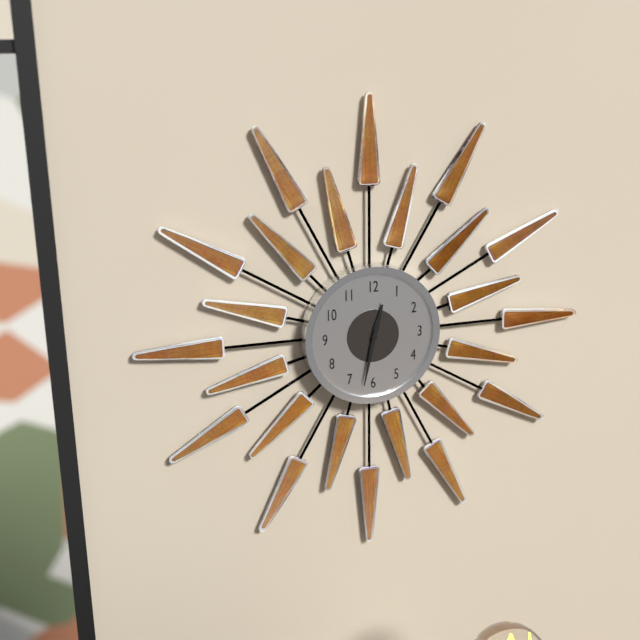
12:32
